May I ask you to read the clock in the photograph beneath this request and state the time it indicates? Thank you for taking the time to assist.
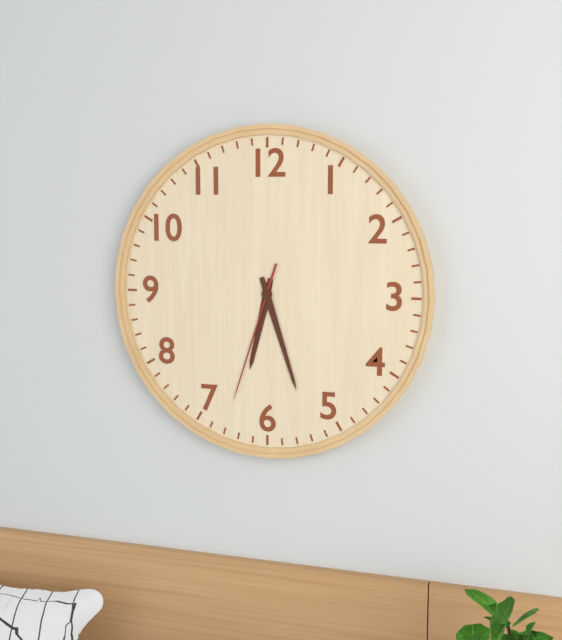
6:27:33
